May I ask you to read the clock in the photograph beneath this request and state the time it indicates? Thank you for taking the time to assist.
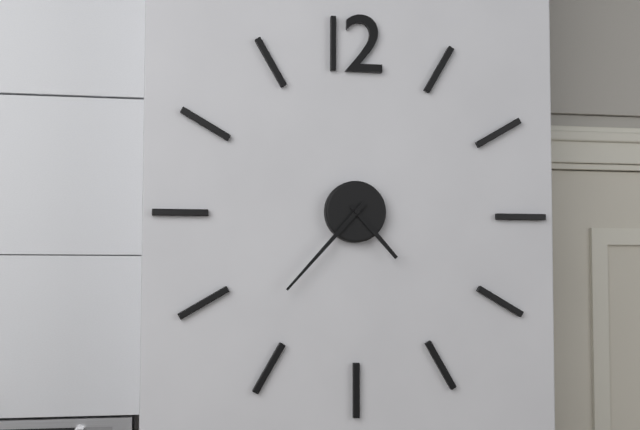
4:37
